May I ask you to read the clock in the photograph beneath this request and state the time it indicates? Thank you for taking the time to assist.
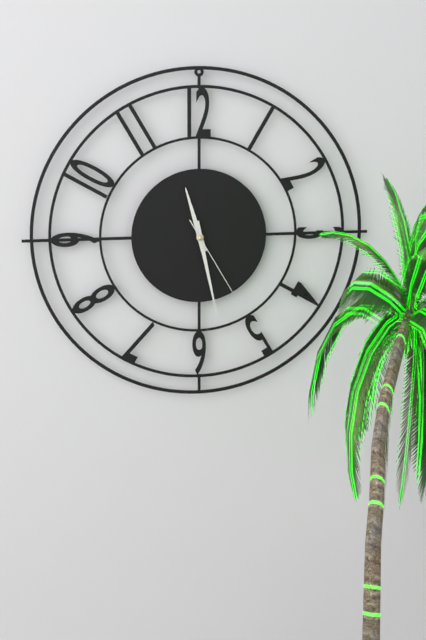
11:28:25
